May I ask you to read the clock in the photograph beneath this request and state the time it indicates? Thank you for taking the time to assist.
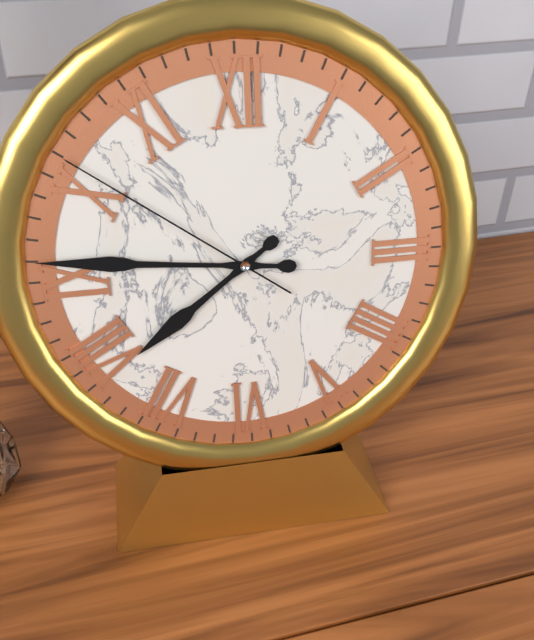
7:46:51
